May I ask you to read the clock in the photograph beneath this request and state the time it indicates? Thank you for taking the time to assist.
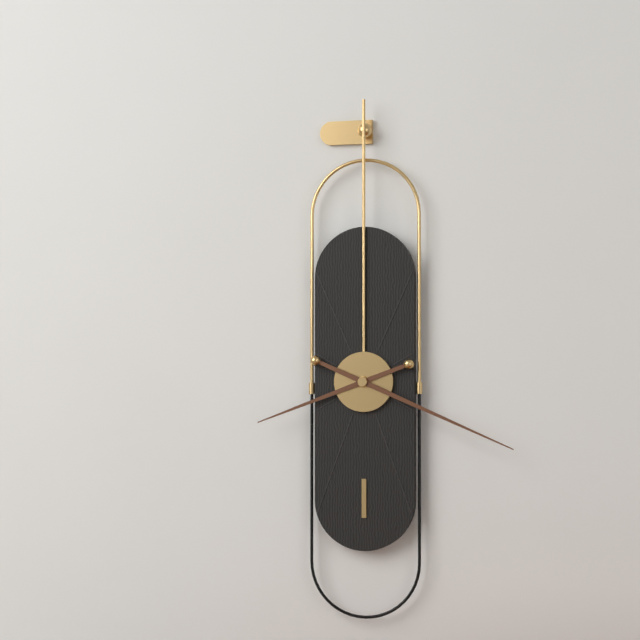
8:19
